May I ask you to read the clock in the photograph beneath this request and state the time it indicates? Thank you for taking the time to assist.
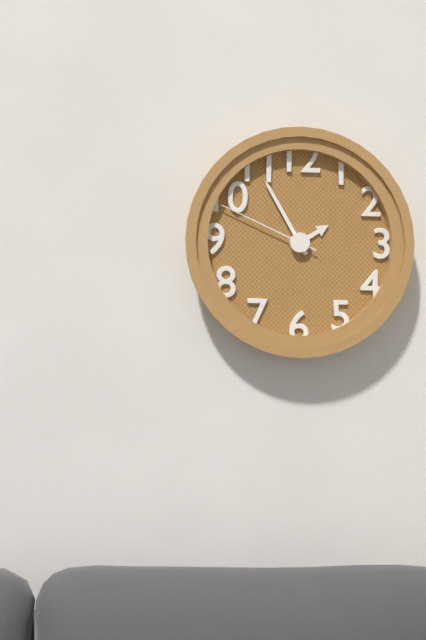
1:55:49
